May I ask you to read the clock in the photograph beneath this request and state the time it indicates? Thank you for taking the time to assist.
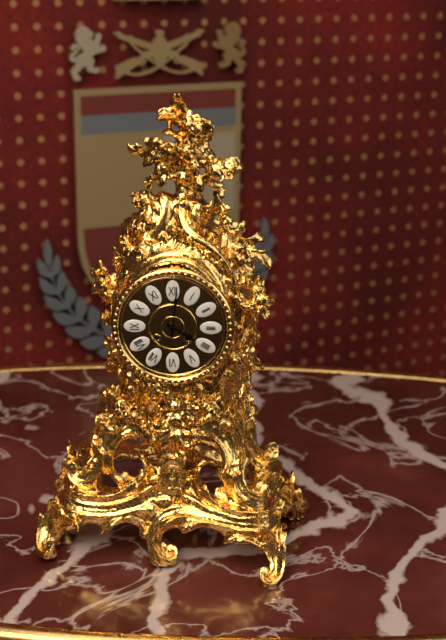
4:01
